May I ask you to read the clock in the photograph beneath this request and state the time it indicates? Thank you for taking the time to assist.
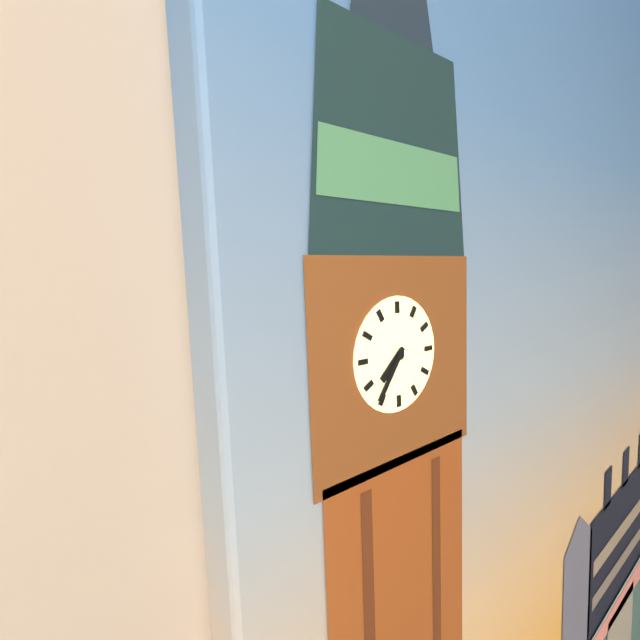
7:36
